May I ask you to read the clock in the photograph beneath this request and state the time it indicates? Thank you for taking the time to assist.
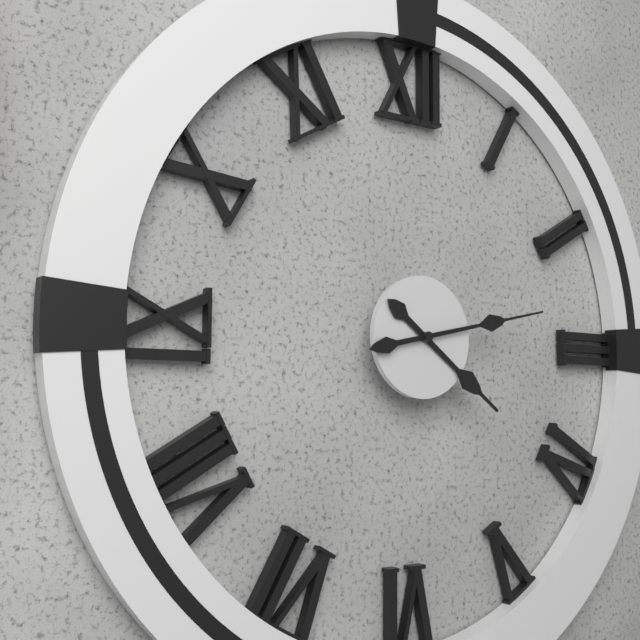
4:13
